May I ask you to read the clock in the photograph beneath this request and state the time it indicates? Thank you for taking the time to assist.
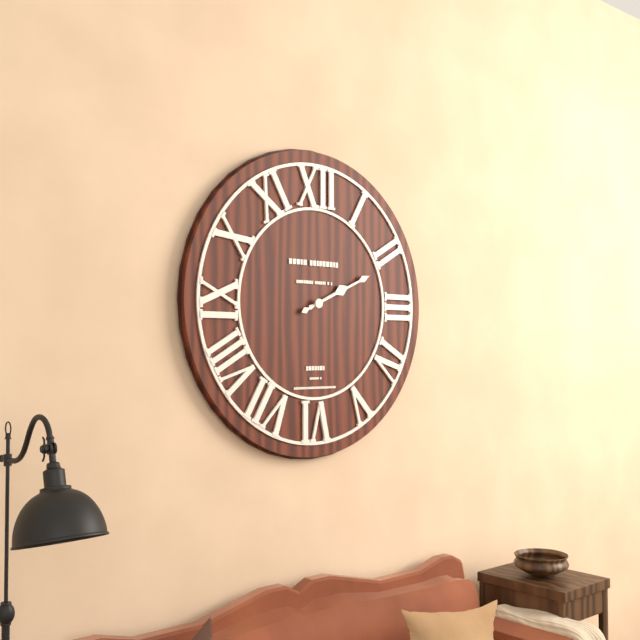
2:11
